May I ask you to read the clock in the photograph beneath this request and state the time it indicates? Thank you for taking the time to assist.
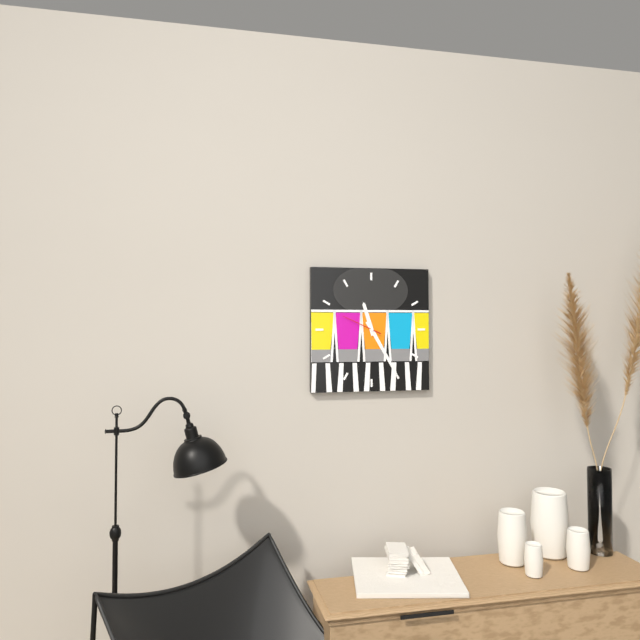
11:25
